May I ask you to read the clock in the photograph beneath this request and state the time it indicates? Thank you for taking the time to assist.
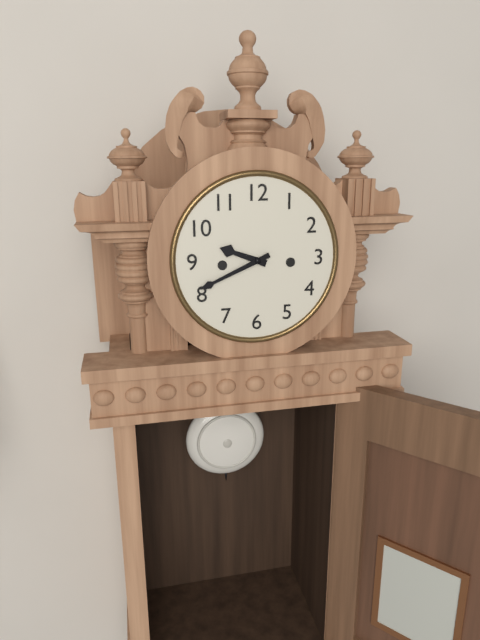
9:41
